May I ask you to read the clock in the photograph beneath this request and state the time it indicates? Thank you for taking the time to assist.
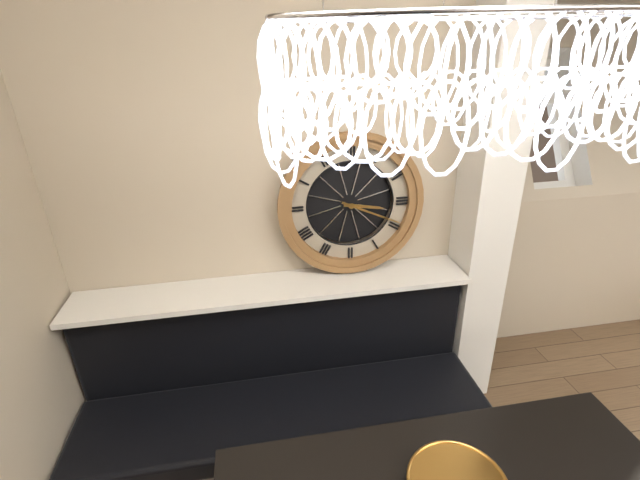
3:19
